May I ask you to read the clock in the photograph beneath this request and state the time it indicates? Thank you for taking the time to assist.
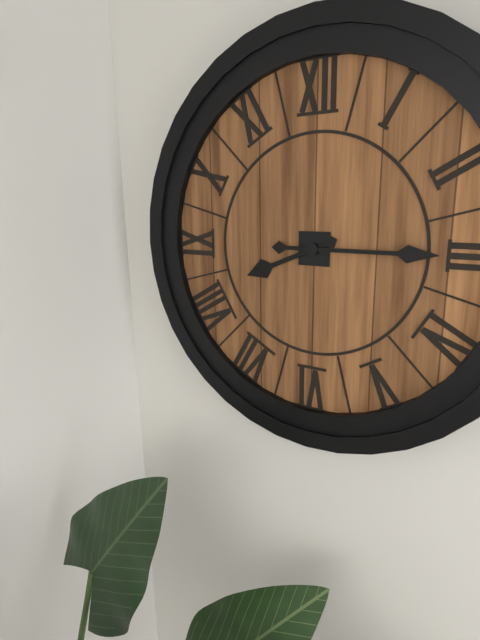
8:15
